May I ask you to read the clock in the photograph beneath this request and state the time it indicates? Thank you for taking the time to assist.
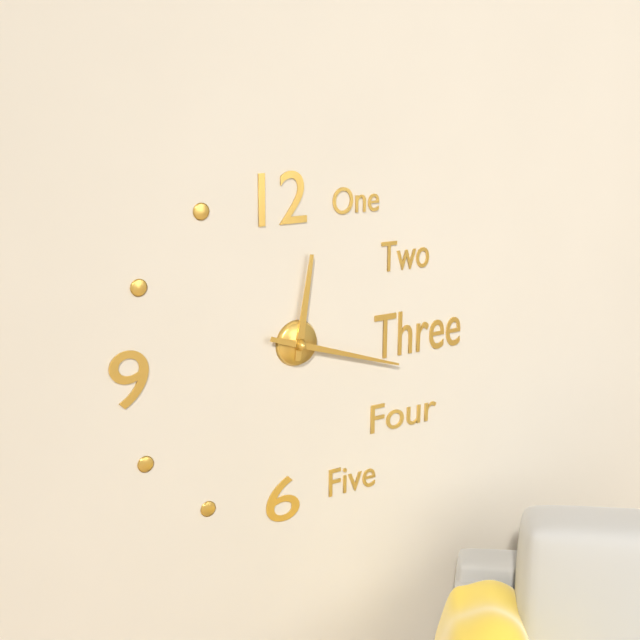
12:18
